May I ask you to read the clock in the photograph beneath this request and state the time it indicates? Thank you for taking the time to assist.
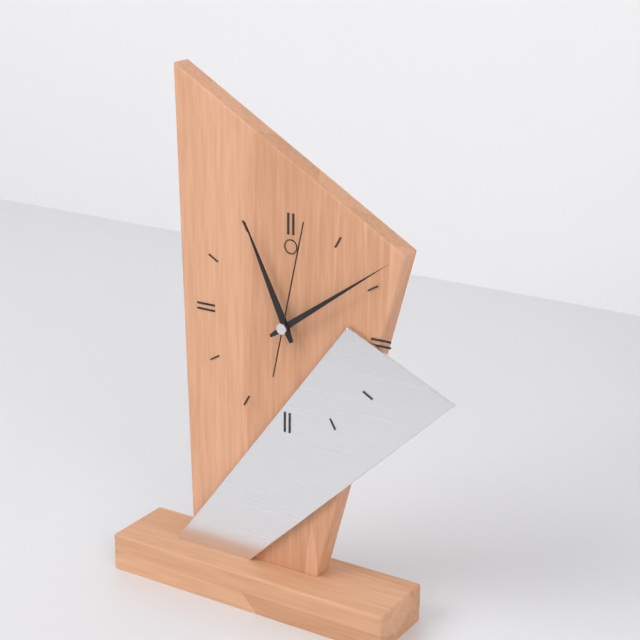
11:09:02
